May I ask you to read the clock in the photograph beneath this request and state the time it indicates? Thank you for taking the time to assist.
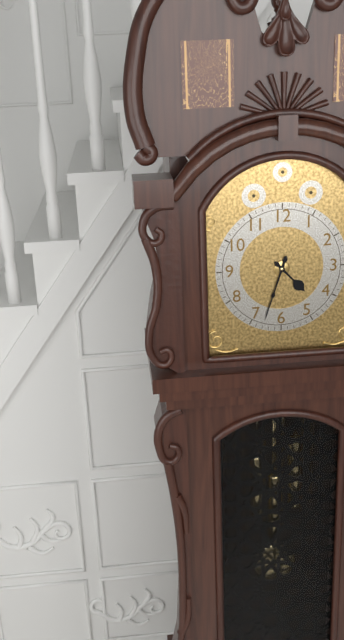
4:33
